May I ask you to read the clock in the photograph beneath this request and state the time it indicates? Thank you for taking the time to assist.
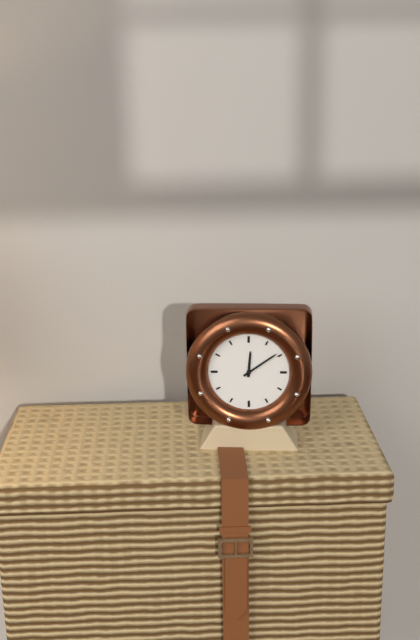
12:09
